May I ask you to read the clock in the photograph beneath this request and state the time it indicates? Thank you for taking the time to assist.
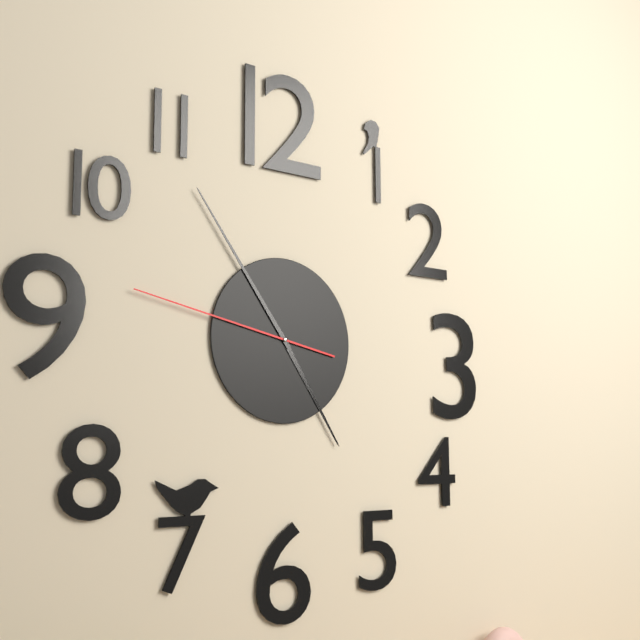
4:54:47
